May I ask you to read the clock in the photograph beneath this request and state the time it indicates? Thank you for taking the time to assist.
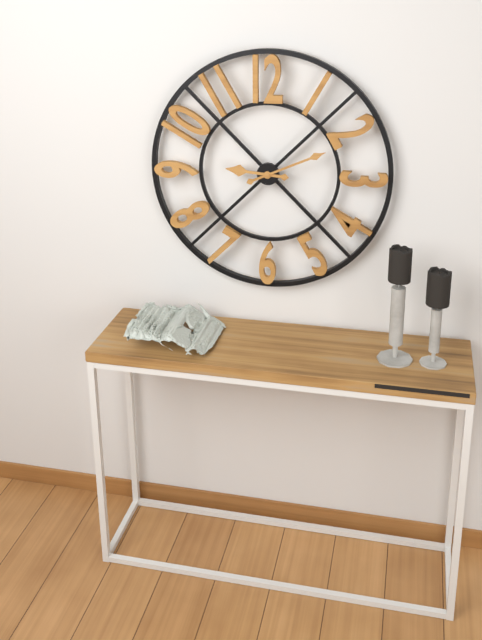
9:11
